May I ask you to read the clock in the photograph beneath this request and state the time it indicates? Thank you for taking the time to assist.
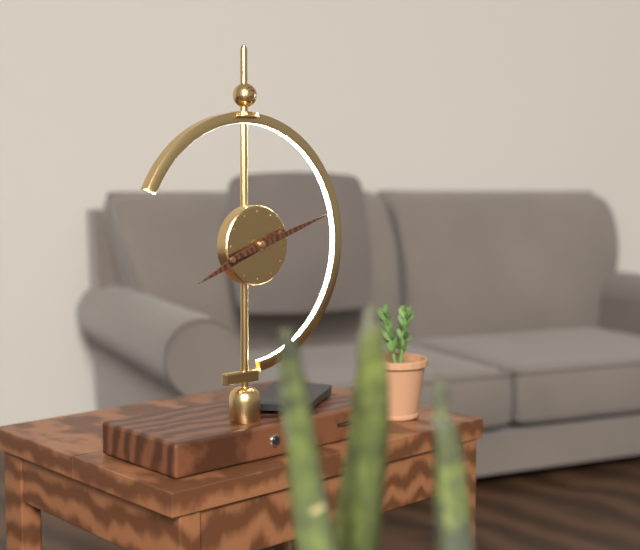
8:12
